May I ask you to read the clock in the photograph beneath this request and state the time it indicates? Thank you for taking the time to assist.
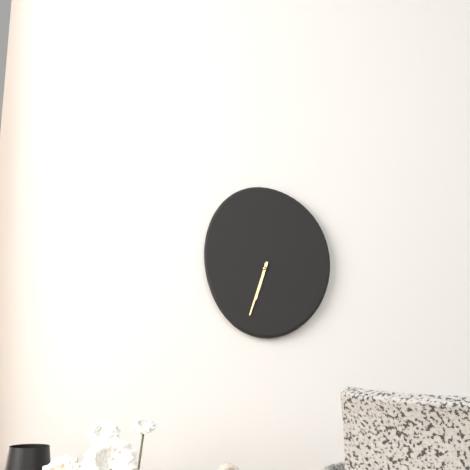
6:33
